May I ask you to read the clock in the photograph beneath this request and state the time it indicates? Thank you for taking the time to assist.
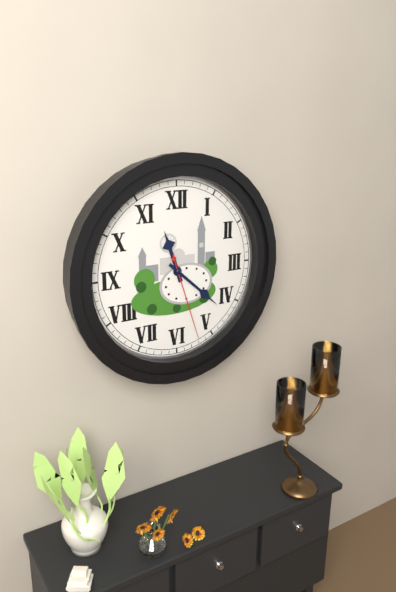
11:22:27
